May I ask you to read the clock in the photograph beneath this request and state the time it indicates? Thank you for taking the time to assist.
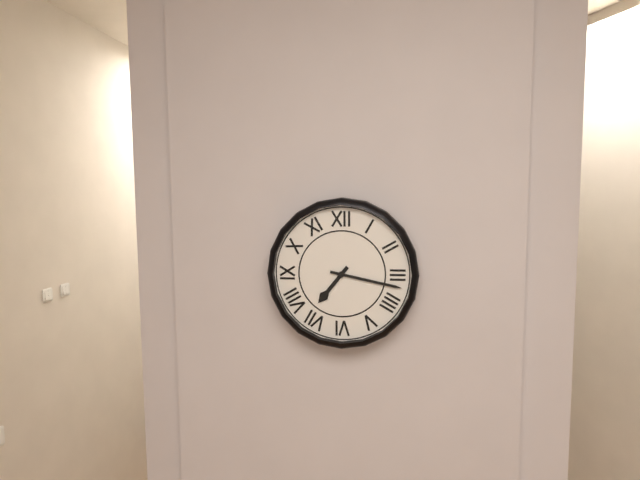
7:17
